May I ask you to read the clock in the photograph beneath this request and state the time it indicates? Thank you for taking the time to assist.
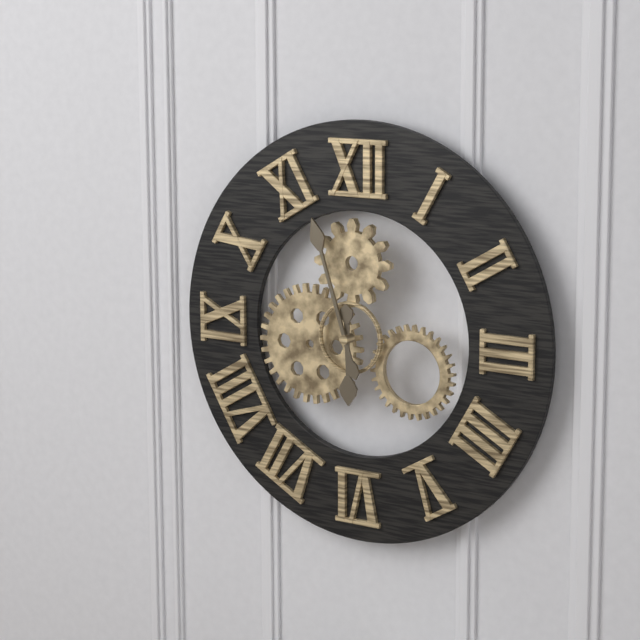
5:57
